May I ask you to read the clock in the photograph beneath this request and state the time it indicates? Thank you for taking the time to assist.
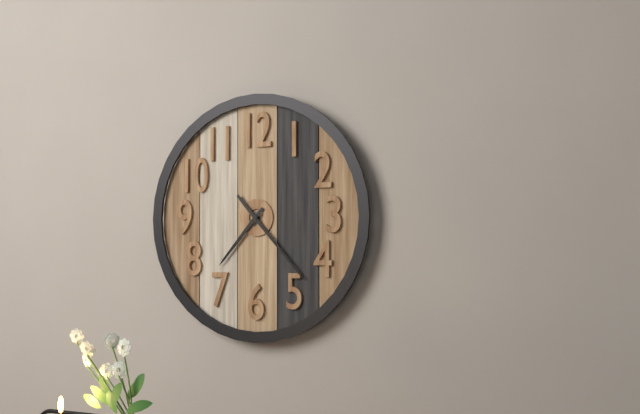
7:23
